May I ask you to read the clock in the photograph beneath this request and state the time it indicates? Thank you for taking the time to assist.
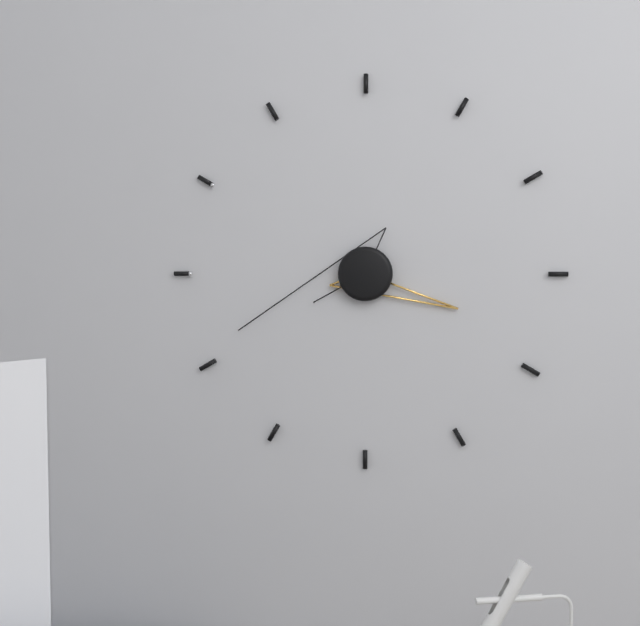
3:41
